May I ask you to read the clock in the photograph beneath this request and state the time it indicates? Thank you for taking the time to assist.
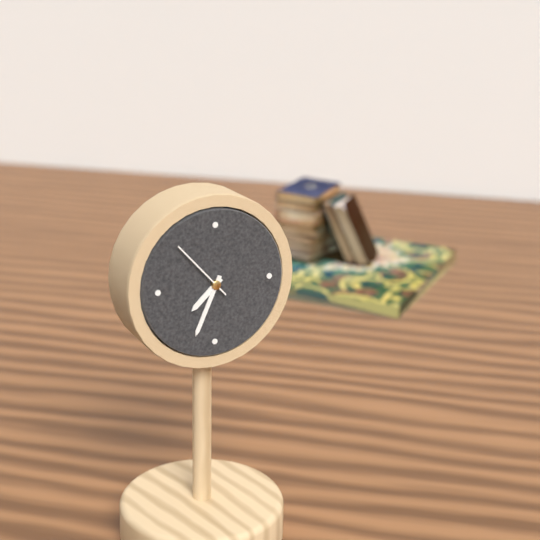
7:34
